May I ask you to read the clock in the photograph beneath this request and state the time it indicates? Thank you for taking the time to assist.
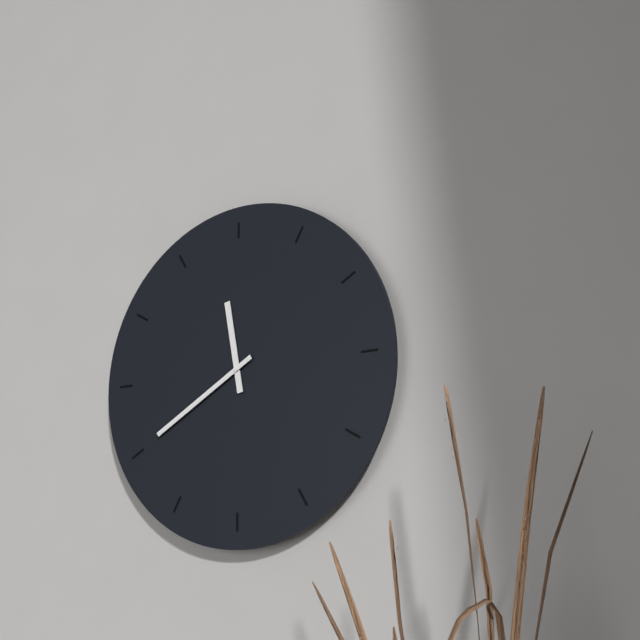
11:40
